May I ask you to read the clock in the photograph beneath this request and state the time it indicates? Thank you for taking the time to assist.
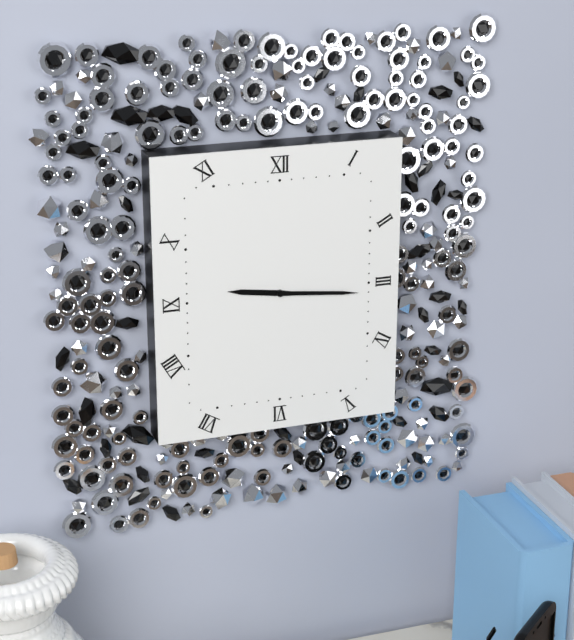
9:16
